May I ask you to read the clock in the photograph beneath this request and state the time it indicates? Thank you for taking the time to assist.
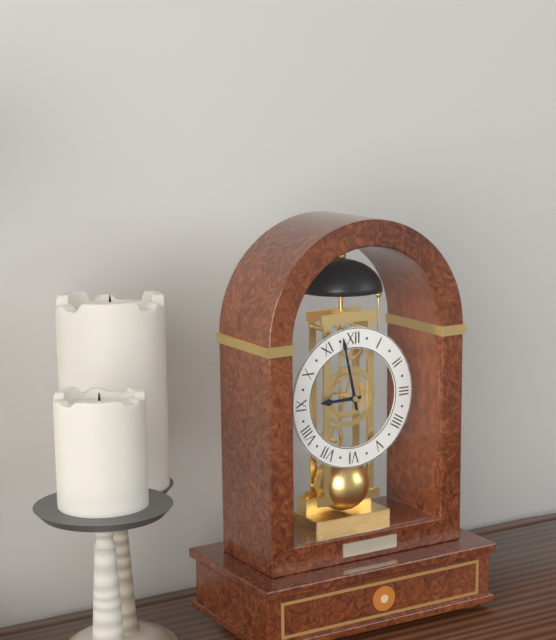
8:58
